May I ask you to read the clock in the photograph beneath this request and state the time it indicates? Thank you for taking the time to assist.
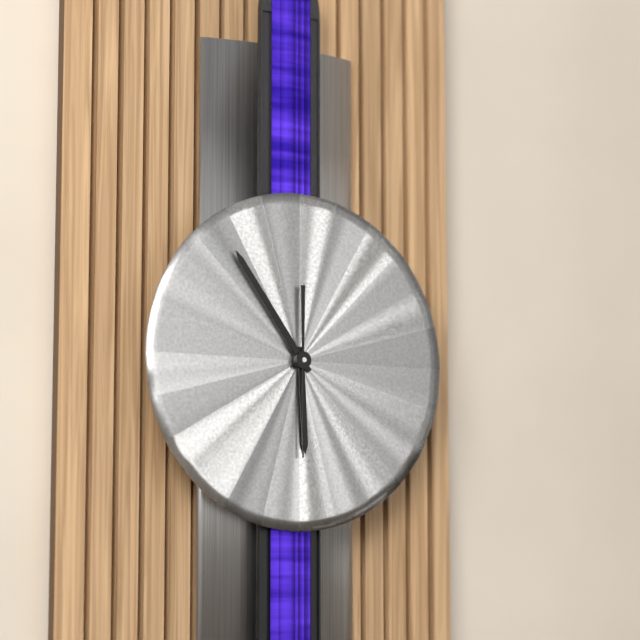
5:54:30
